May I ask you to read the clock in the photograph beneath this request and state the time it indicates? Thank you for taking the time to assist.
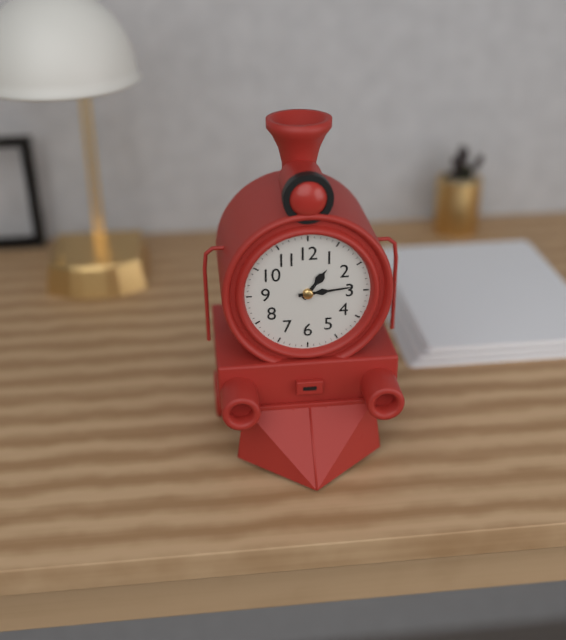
1:14
